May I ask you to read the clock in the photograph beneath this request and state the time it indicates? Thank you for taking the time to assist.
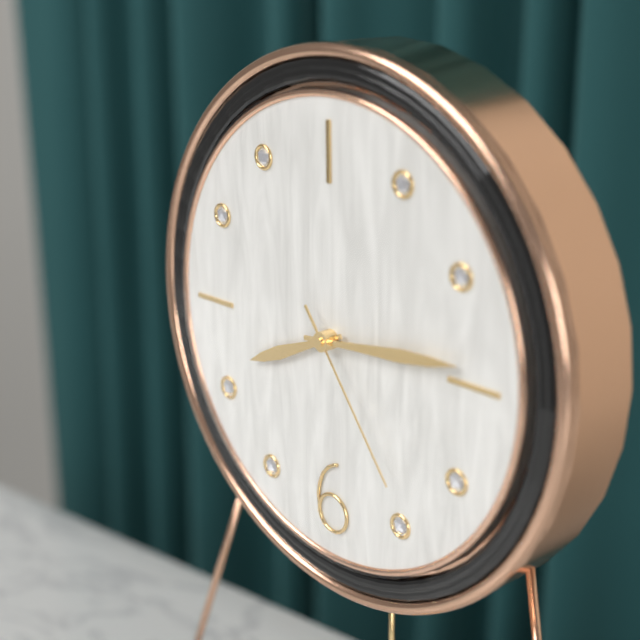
8:14:24
